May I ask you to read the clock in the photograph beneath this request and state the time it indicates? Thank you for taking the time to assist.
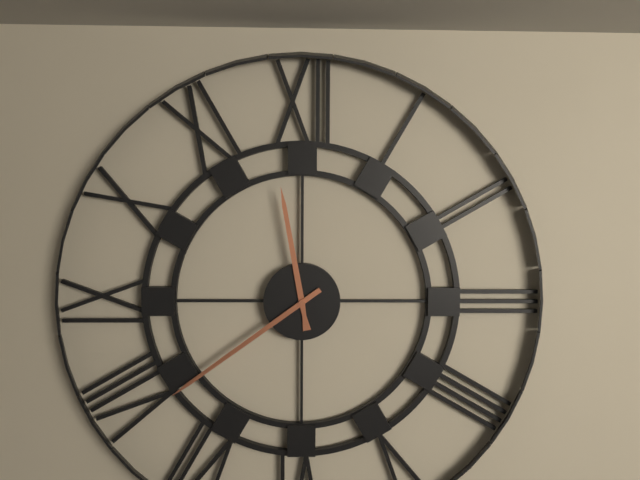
11:39
